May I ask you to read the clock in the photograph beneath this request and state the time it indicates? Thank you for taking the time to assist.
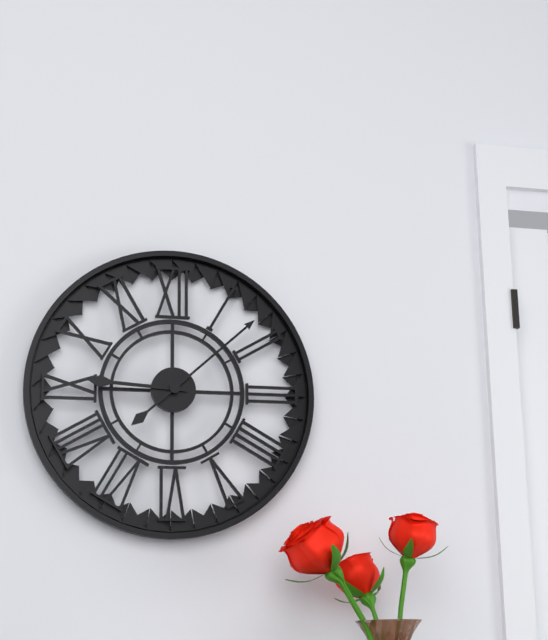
9:08
